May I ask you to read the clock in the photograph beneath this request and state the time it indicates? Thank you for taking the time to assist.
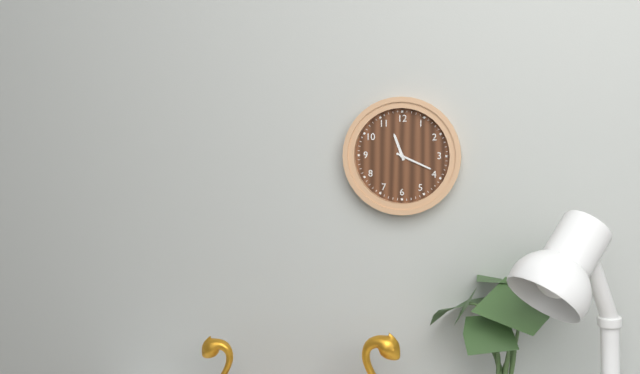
11:19
